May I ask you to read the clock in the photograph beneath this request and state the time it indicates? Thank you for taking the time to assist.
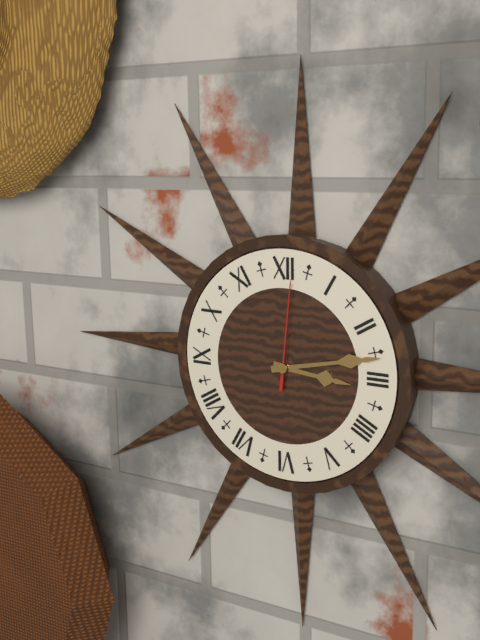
3:13:01
